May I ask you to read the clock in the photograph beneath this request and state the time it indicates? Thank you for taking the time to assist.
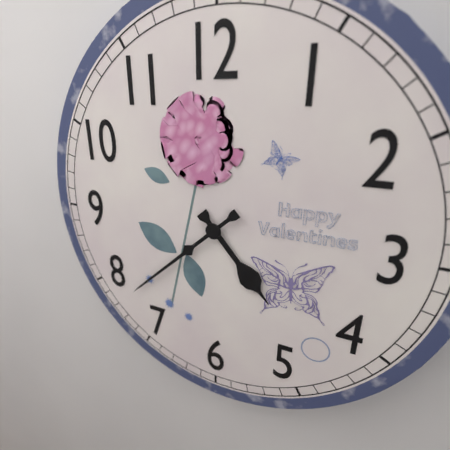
4:38
